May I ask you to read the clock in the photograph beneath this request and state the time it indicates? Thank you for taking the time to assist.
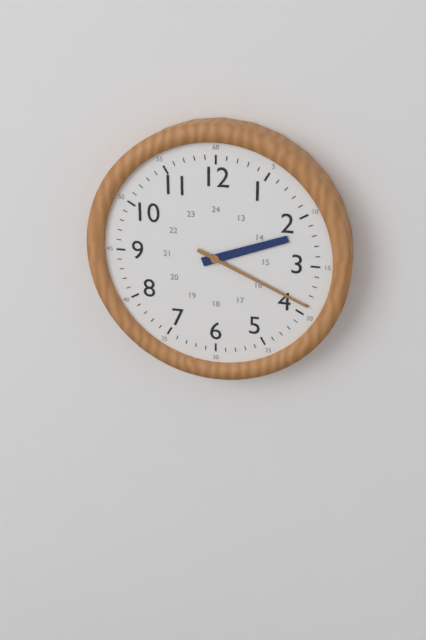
2:19
